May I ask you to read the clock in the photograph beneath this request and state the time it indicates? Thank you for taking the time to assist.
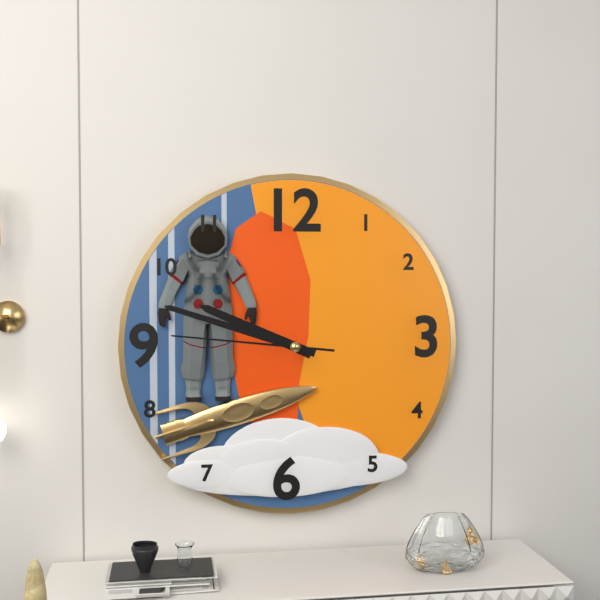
9:48:46
